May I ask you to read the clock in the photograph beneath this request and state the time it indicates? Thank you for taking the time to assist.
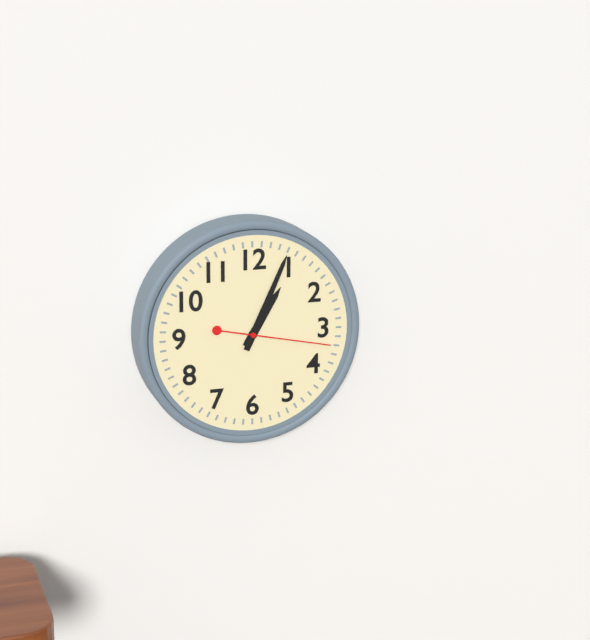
1:04:17
